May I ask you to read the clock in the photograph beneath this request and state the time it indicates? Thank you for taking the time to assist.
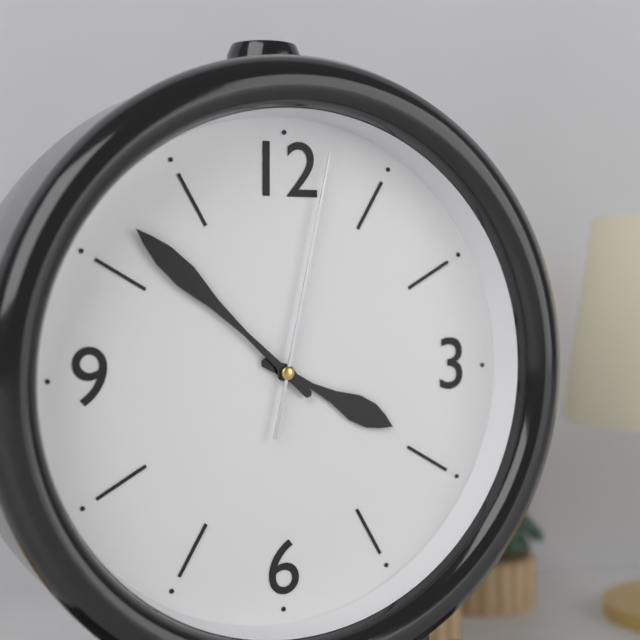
3:52:02
